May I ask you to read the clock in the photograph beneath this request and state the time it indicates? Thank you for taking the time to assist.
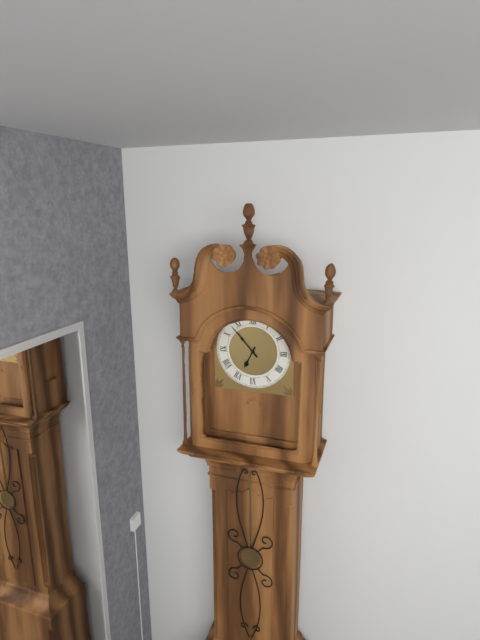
6:53
